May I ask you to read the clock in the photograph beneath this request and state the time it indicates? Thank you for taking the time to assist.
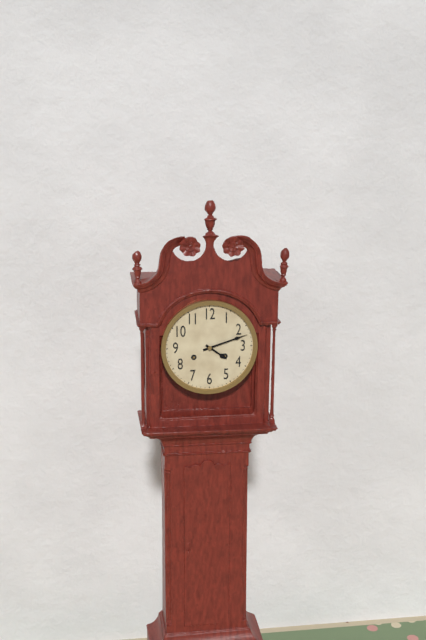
4:12
